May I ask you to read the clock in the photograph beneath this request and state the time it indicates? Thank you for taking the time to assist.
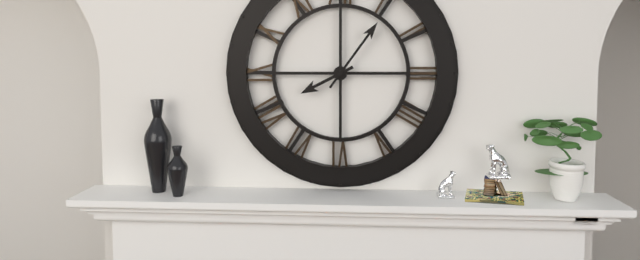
8:06
